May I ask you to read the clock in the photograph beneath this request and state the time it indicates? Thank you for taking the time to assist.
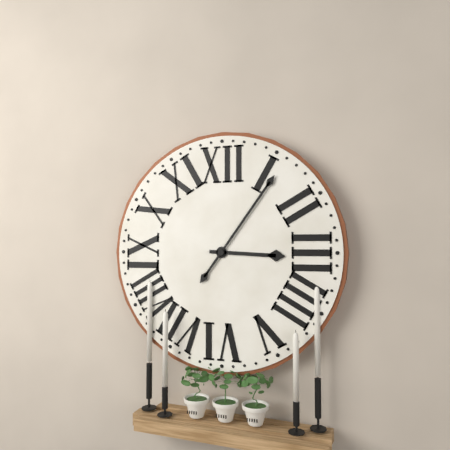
3:06
